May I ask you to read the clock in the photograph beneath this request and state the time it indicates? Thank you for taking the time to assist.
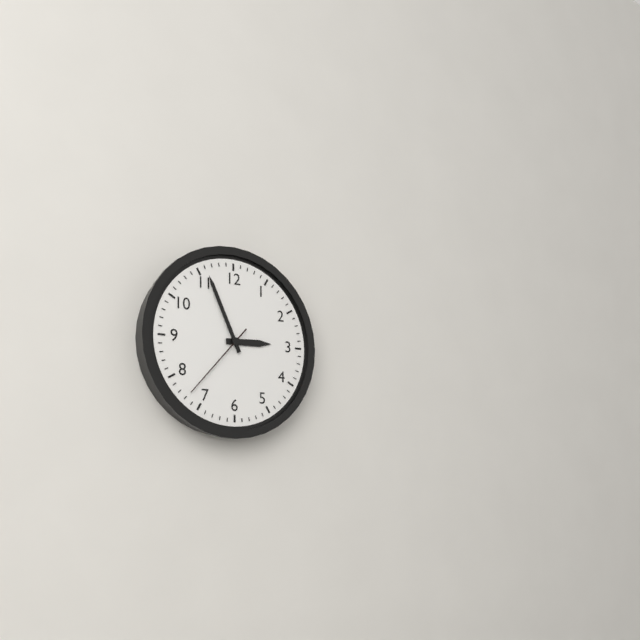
2:56:37
